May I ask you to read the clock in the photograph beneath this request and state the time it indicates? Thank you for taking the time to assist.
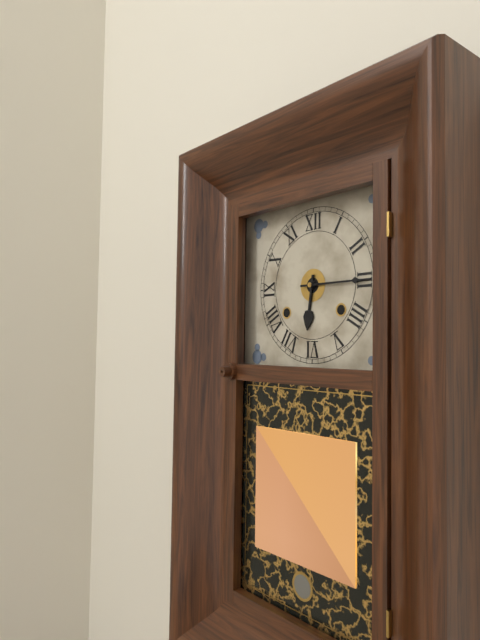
6:15
